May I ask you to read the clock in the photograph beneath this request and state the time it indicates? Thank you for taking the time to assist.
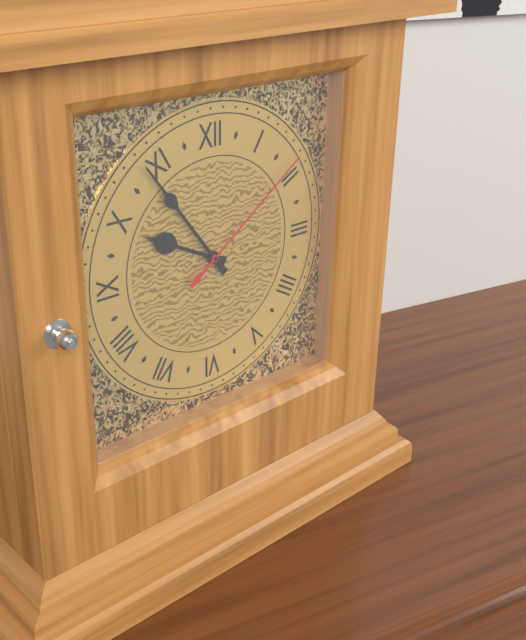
9:54:09
